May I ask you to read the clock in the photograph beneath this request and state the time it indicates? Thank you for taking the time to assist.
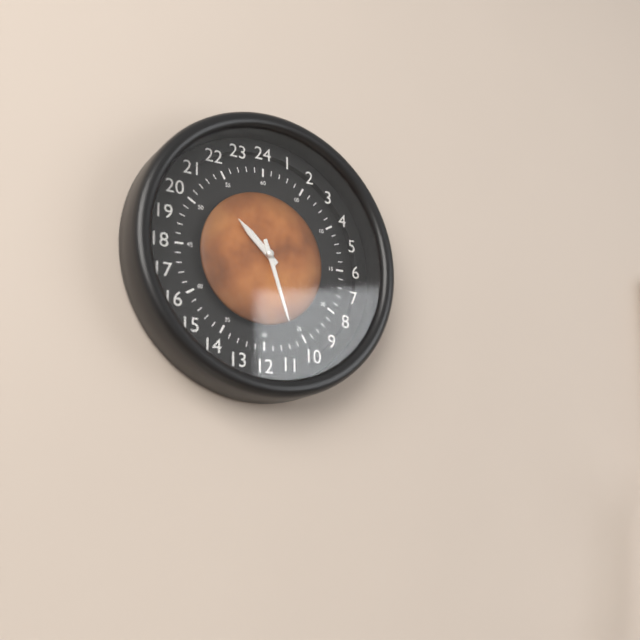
10:27
